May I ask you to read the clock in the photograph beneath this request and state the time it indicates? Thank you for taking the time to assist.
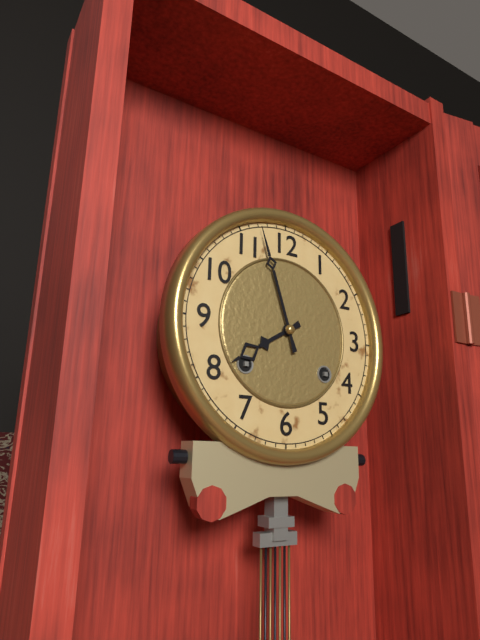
7:57
